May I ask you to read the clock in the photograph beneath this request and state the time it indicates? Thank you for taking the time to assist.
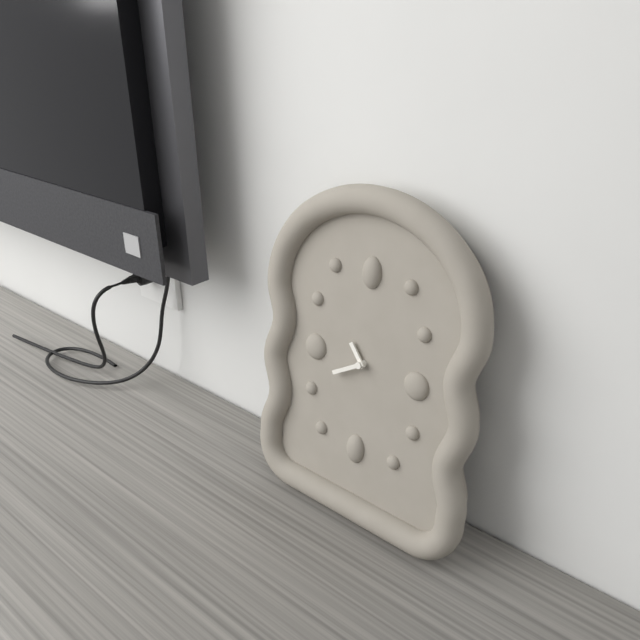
10:40
